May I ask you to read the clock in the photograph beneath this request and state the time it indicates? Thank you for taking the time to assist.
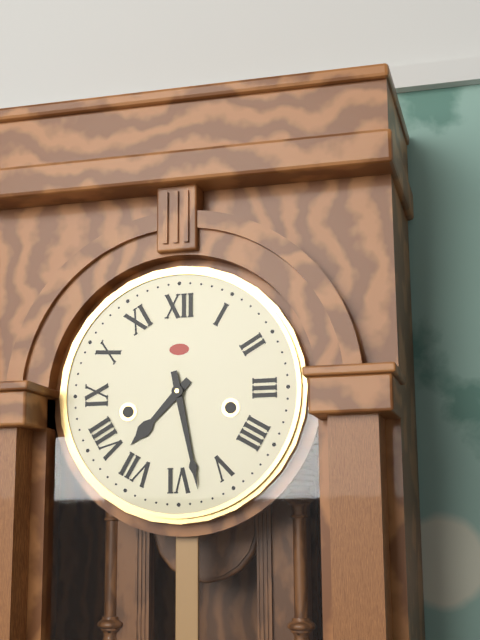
7:28
